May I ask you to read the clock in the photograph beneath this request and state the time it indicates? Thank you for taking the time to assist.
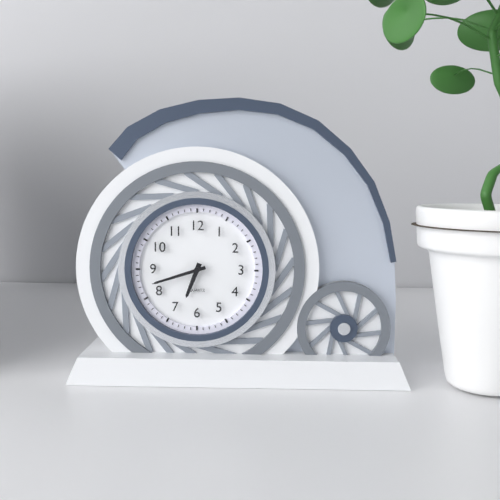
6:42
